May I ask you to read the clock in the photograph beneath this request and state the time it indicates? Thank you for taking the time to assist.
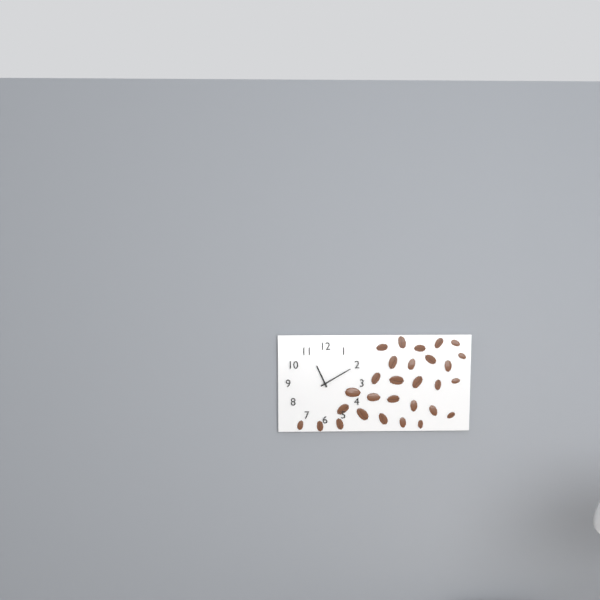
11:10
